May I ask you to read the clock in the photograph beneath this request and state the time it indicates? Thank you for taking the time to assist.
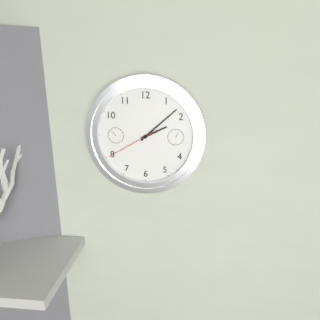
2:08:40
